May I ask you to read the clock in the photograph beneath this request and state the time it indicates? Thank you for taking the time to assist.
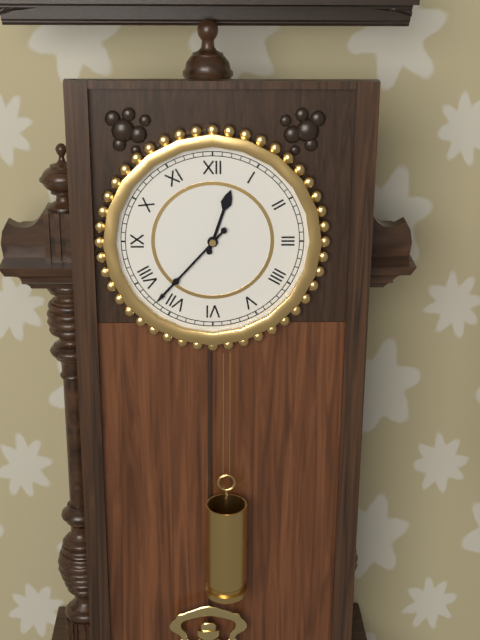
12:37
